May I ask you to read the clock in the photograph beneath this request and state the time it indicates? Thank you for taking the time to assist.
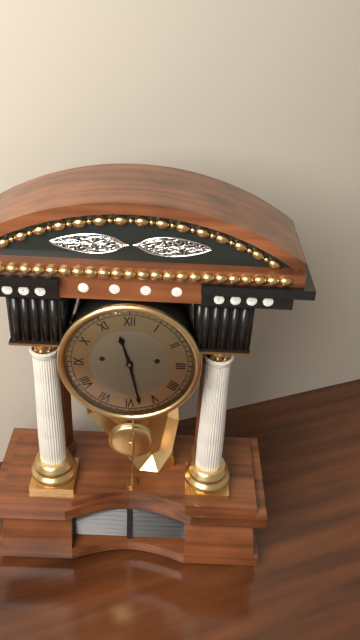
11:28
